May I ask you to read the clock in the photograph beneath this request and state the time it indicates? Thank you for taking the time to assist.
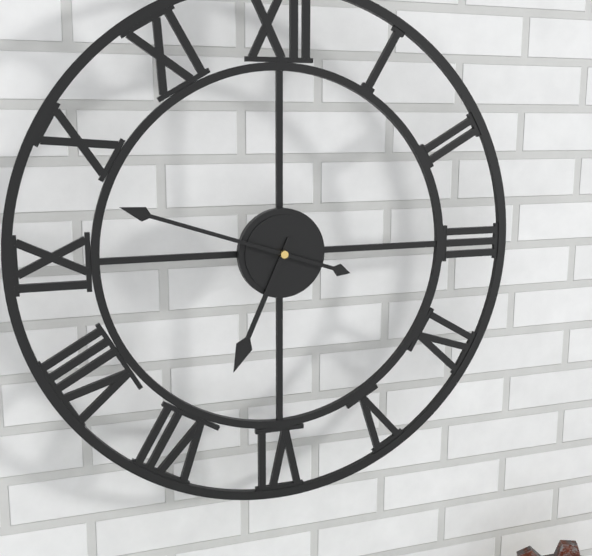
6:48
